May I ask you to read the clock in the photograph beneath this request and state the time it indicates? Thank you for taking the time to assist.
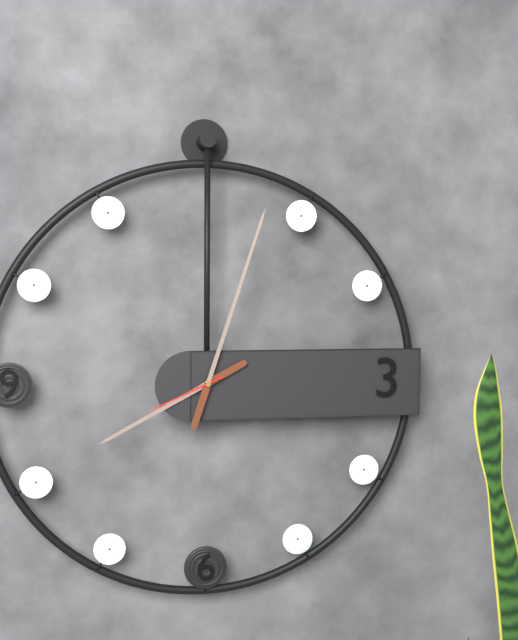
8:03:41
